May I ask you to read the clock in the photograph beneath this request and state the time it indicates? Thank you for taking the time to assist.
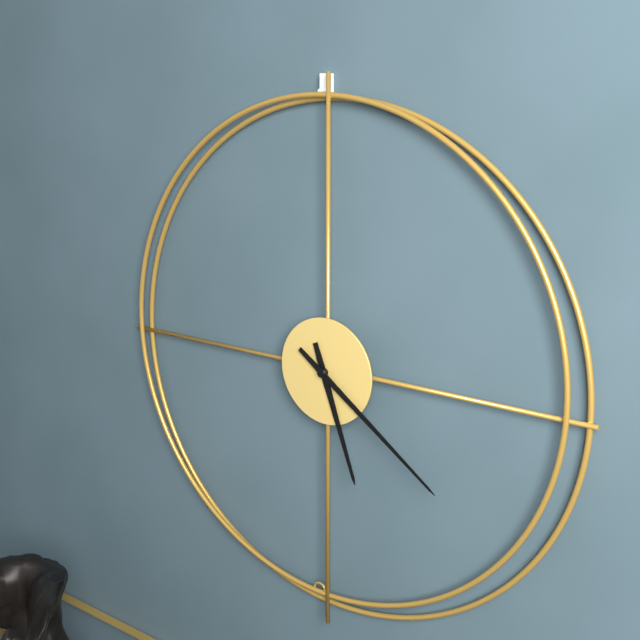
5:21
